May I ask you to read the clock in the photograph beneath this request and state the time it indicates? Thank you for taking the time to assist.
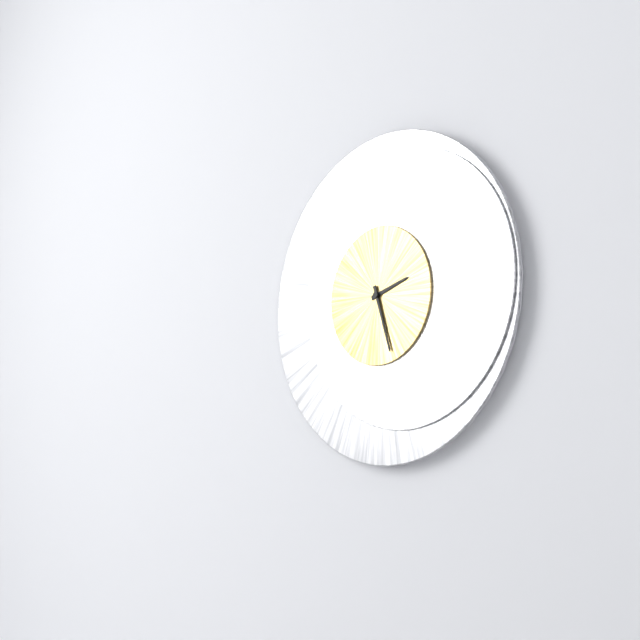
2:27
